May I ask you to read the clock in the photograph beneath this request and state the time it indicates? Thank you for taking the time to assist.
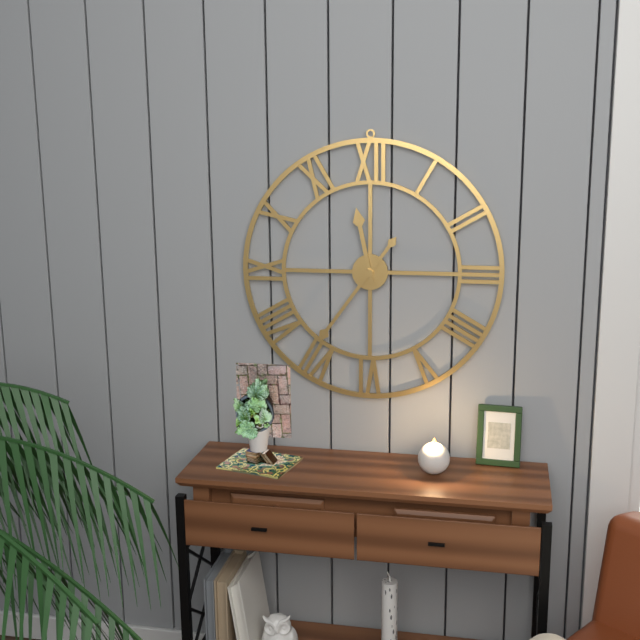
11:36
